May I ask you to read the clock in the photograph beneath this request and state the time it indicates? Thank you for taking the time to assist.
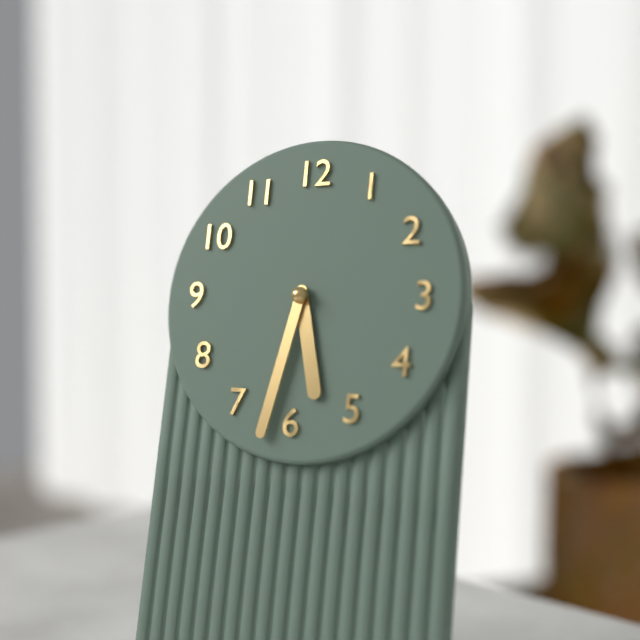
5:32
